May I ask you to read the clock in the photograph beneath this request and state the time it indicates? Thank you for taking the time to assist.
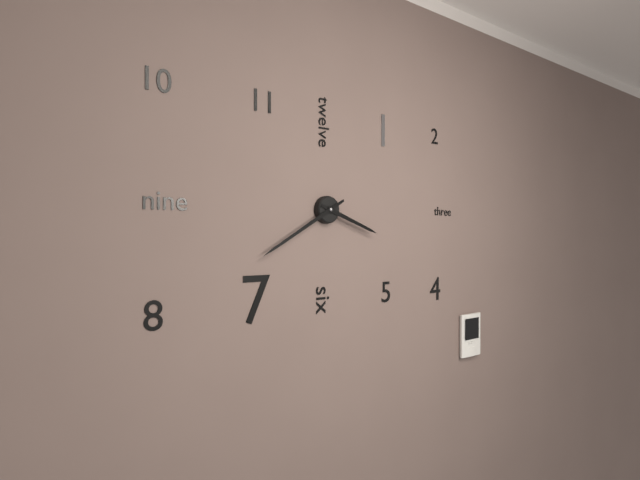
3:40
